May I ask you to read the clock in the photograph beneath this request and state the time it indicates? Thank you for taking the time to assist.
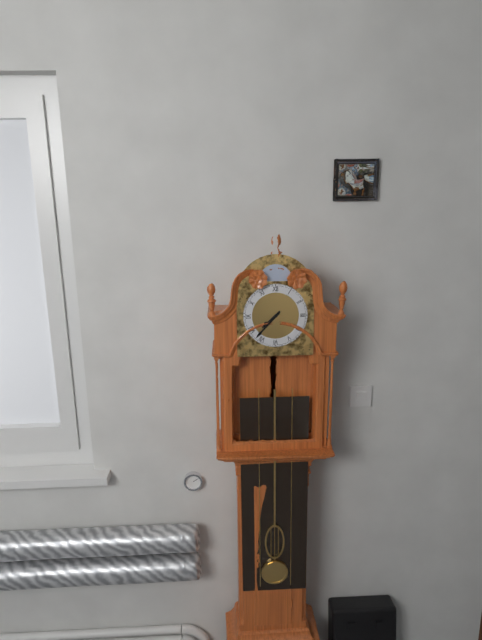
7:37
